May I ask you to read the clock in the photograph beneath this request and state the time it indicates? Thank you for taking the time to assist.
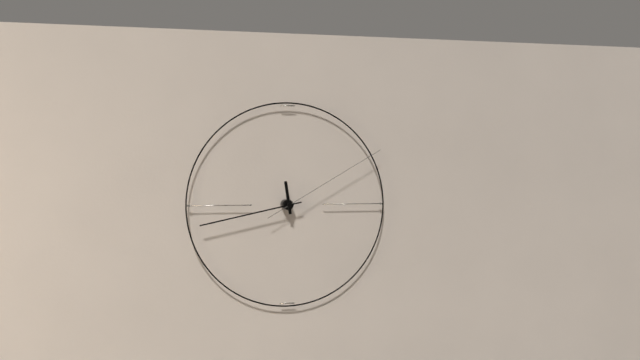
11:43:10
